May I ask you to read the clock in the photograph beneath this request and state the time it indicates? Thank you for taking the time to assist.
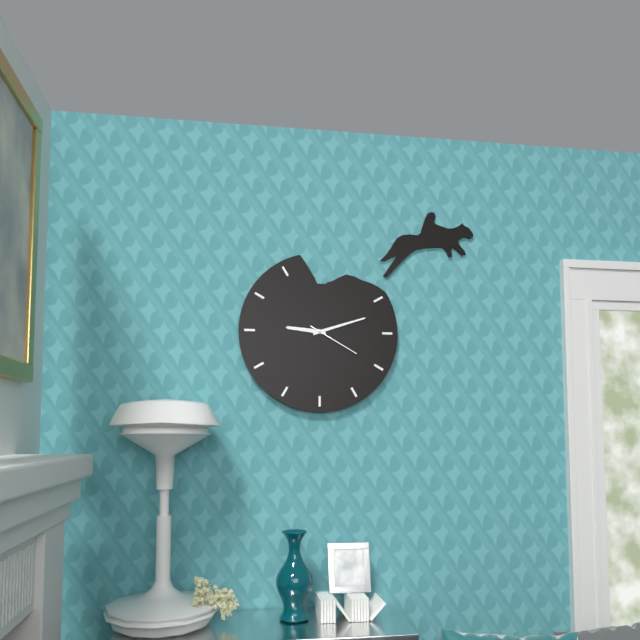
9:12:20
